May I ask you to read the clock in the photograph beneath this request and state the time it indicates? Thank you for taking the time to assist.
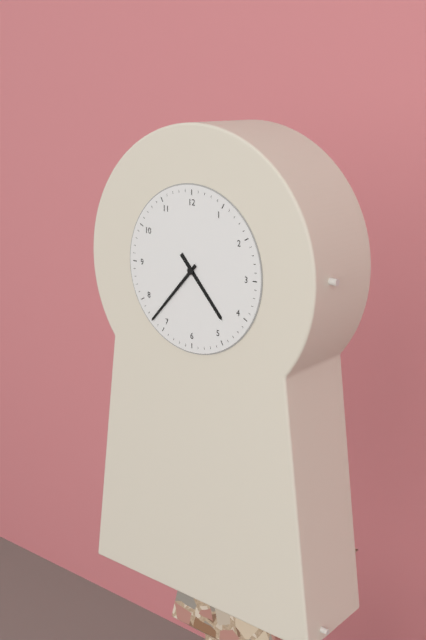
4:37
